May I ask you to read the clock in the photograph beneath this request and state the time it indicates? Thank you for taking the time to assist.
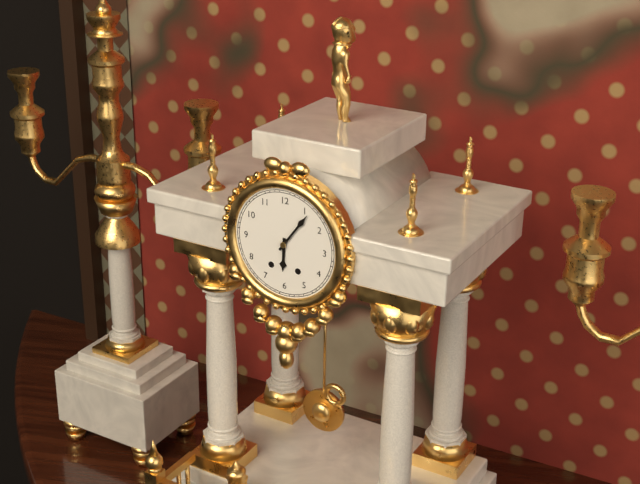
6:06
